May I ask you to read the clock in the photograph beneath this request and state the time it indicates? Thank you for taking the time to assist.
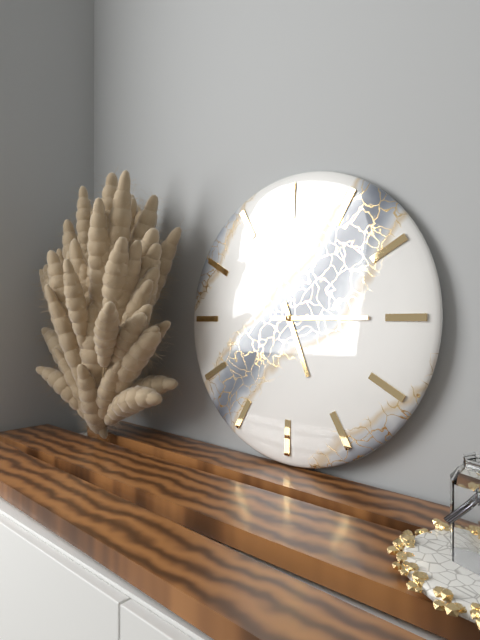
5:15
